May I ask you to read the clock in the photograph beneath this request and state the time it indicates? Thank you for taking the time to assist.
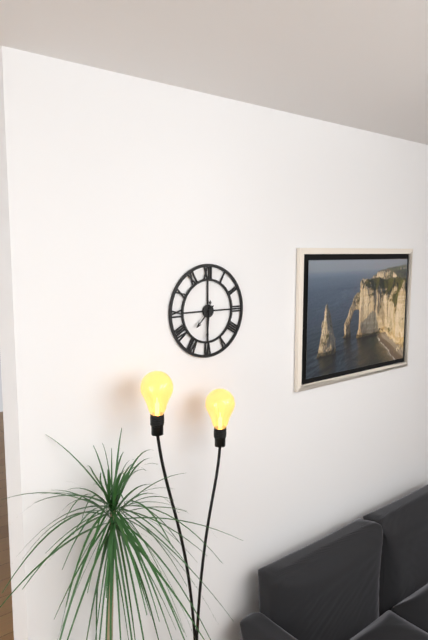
7:31
